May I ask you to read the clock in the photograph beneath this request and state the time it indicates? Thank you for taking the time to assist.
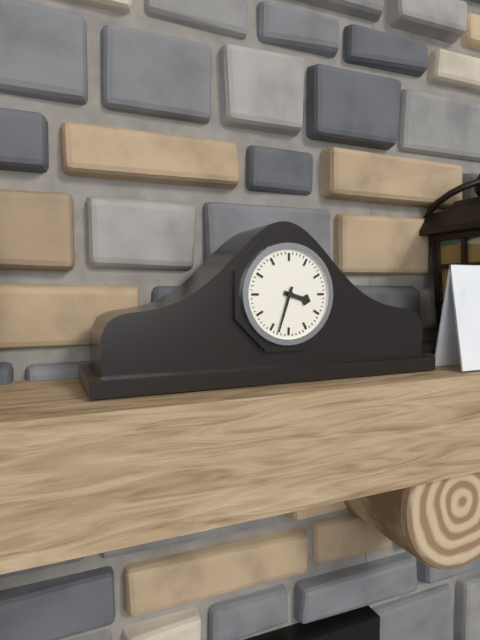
3:33
